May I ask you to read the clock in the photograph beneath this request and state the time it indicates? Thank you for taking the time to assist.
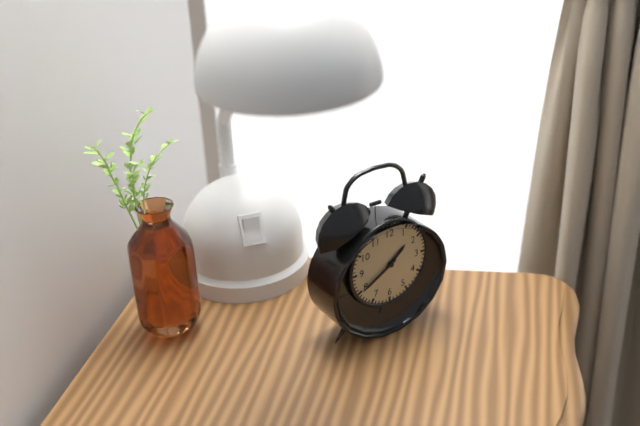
1:40
